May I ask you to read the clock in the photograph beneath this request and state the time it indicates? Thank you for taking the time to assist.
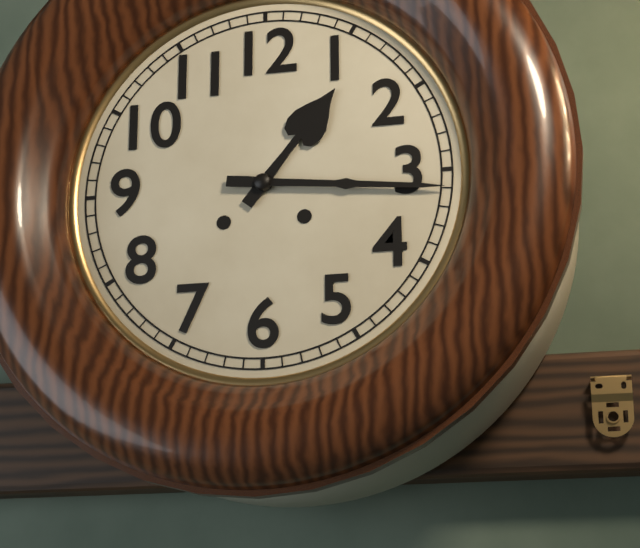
1:16
